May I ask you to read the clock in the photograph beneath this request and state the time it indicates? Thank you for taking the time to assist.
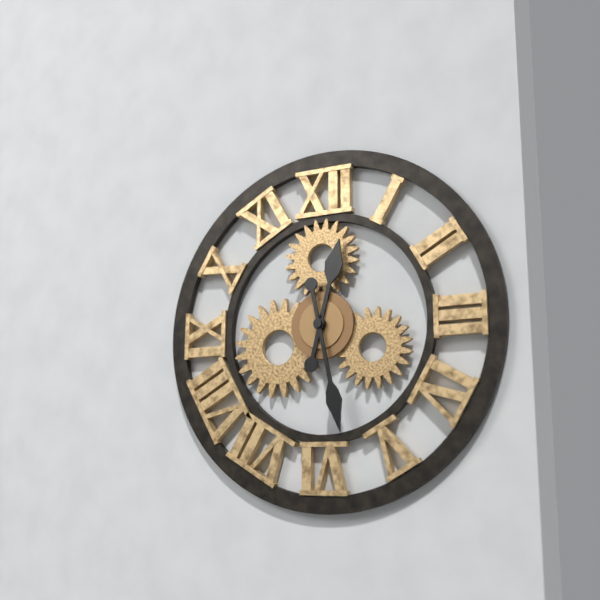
12:28
